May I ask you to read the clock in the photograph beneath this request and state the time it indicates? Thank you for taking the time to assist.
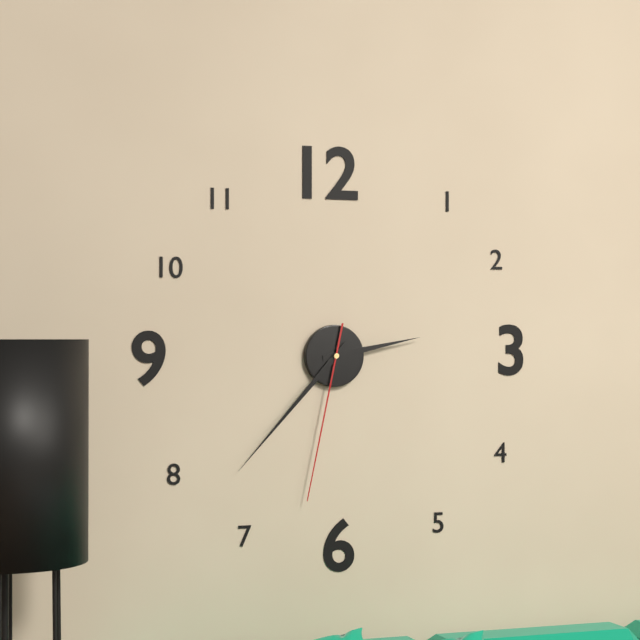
2:37:32
